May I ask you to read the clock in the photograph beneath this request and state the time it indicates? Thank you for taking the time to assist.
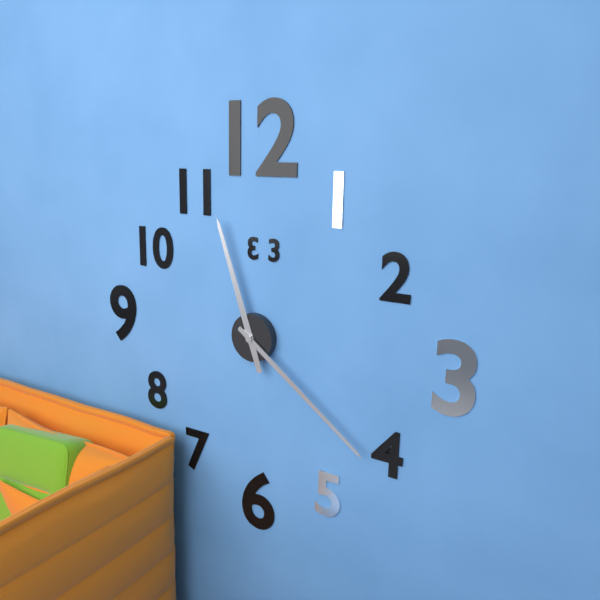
11:21
